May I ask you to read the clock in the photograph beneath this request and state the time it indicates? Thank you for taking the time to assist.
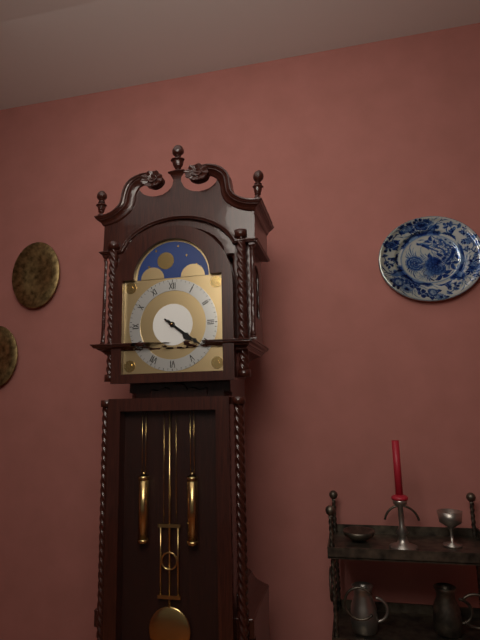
4:21
